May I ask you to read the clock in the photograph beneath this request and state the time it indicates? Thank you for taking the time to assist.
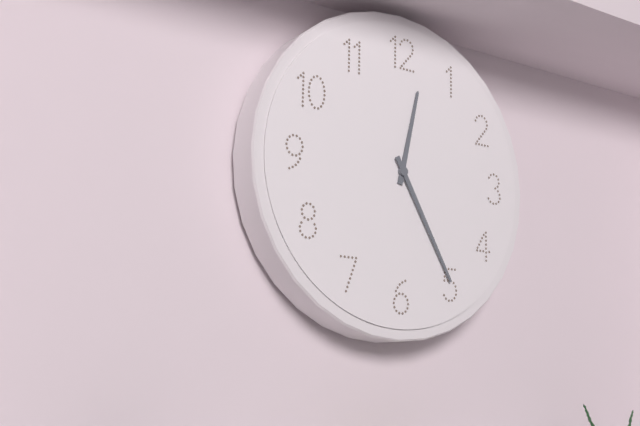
12:25
